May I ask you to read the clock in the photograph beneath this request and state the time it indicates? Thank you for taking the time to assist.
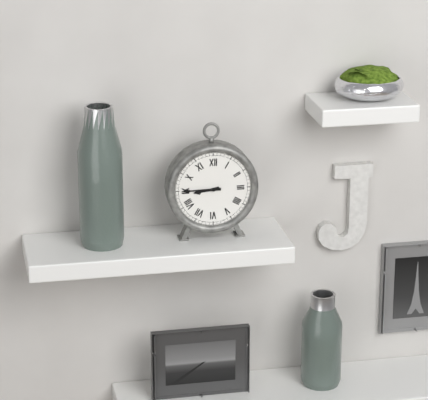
8:45
